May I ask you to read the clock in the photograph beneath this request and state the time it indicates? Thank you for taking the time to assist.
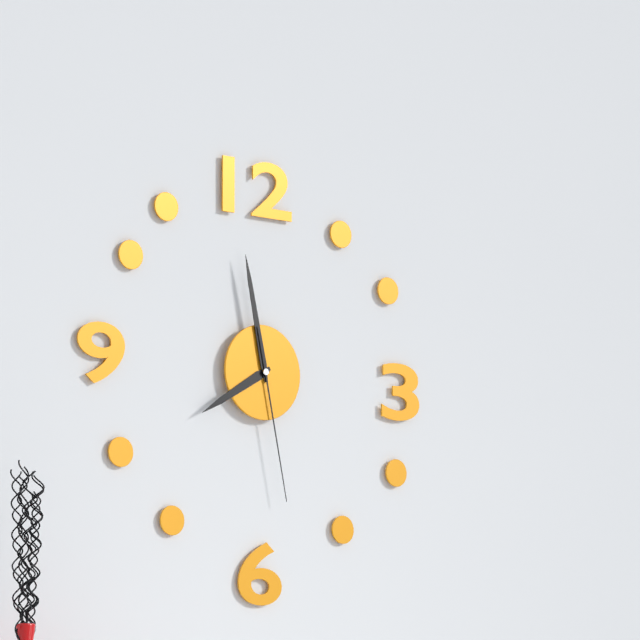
7:58:28
